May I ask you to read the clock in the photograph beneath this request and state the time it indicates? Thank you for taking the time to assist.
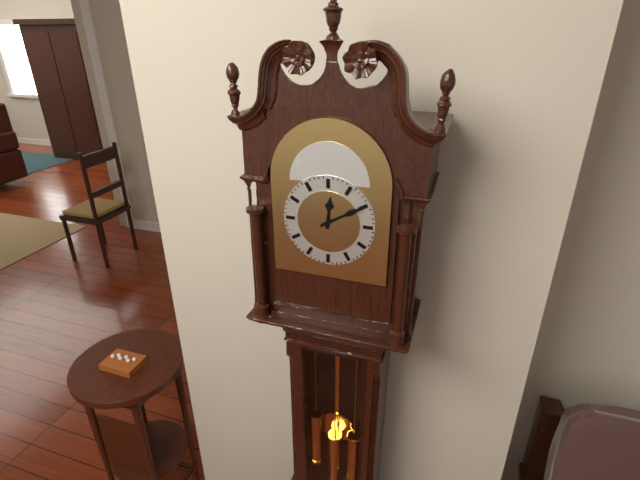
12:10
